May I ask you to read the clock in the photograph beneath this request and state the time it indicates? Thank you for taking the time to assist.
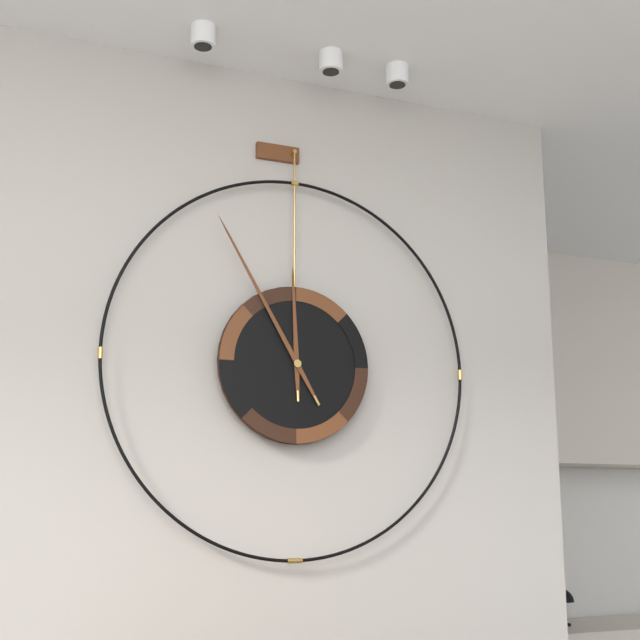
11:55
